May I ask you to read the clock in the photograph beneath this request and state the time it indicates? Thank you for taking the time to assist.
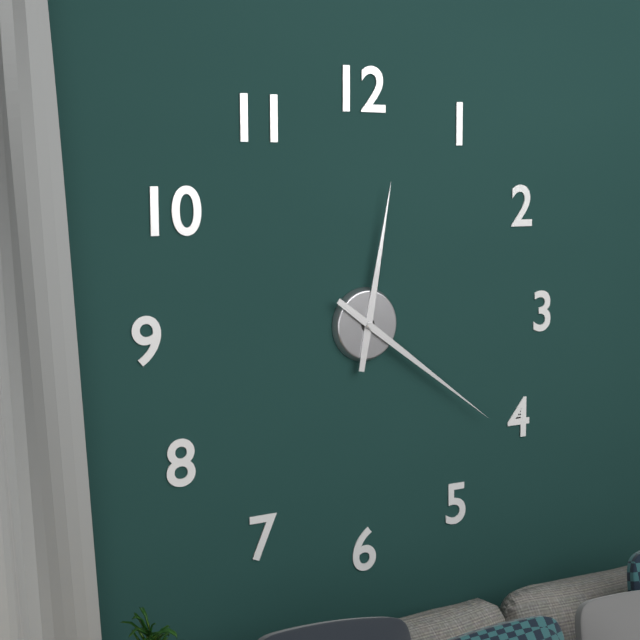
12:21
